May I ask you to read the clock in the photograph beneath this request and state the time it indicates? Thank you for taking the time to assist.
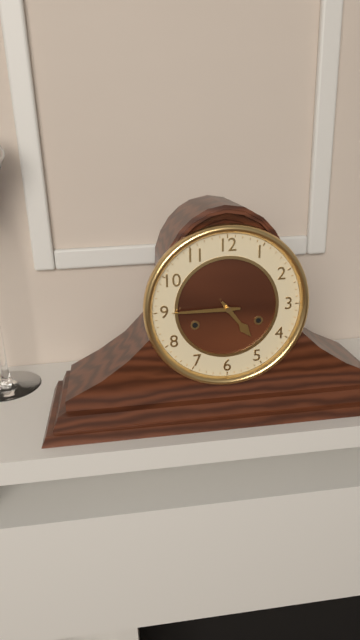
4:45
